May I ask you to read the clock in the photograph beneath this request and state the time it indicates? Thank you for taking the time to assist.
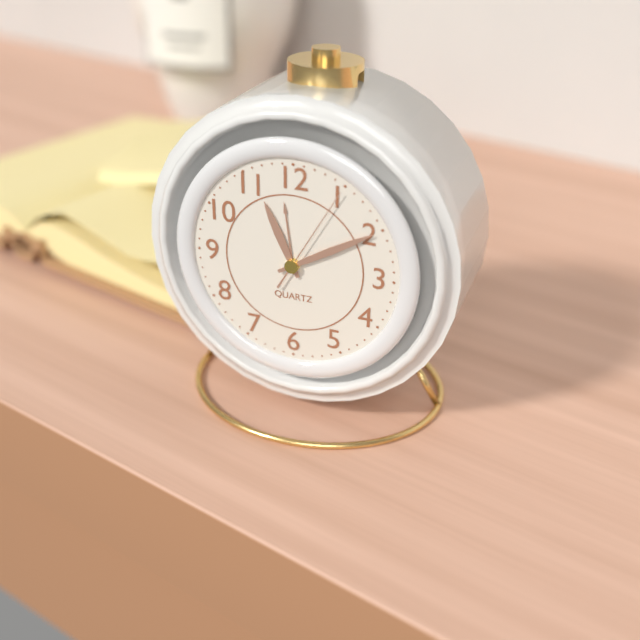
11:10:05
